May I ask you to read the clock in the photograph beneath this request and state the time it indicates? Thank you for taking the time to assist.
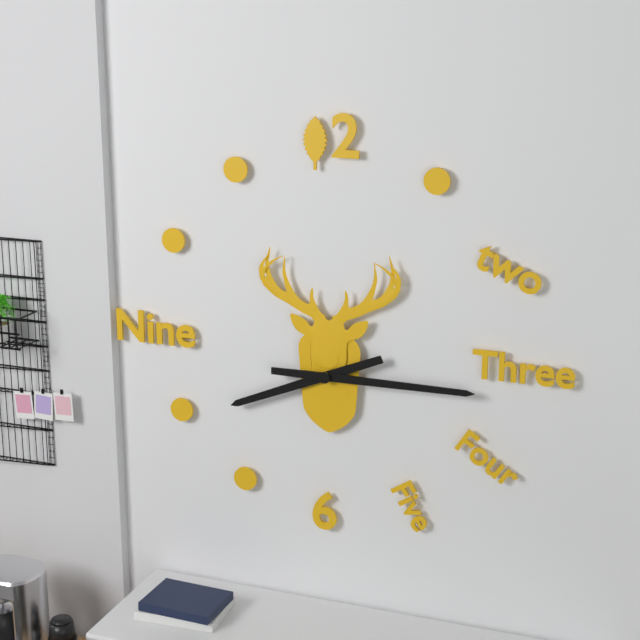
8:15
